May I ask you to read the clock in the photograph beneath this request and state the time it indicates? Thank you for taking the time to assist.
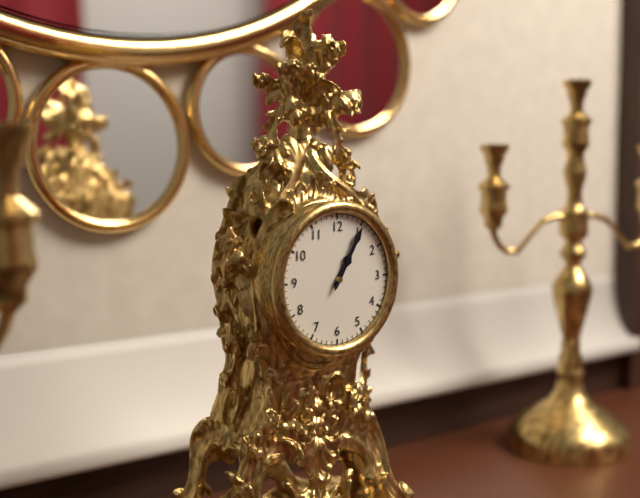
1:05
